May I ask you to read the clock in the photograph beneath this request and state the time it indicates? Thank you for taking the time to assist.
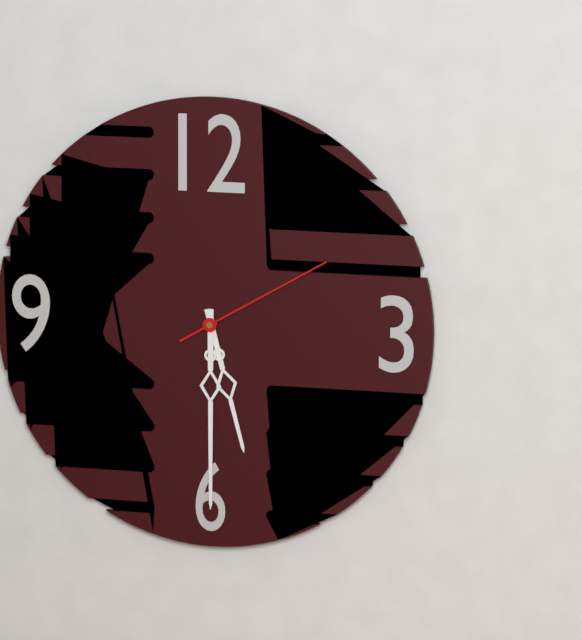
5:30:10
